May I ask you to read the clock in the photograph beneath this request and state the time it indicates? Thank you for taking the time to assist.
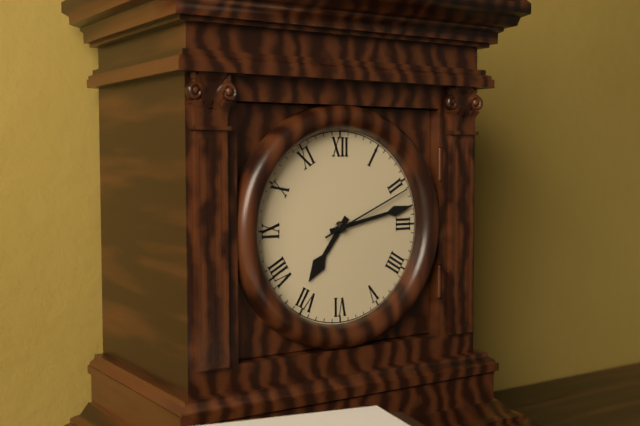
7:13:11
